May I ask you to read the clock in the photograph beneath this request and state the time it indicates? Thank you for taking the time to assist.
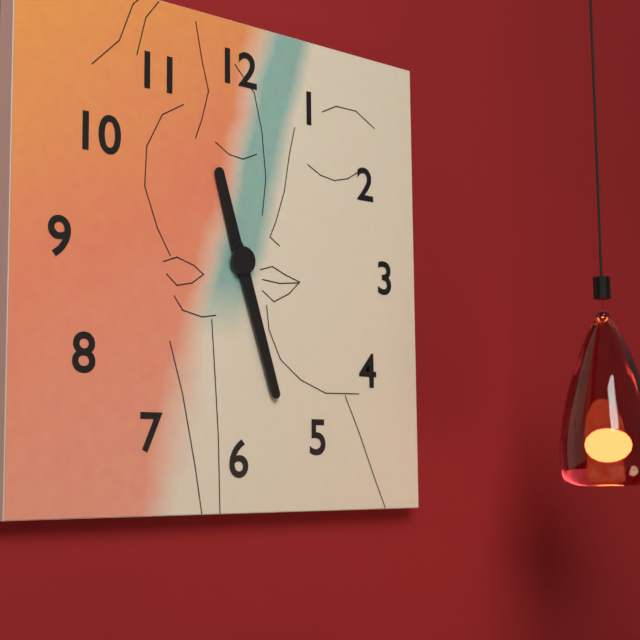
11:27
